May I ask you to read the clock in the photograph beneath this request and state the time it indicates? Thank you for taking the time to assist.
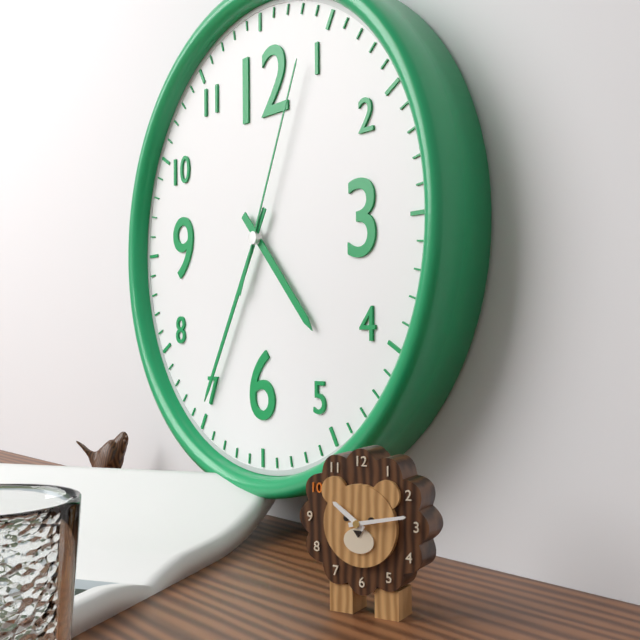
4:35:04
